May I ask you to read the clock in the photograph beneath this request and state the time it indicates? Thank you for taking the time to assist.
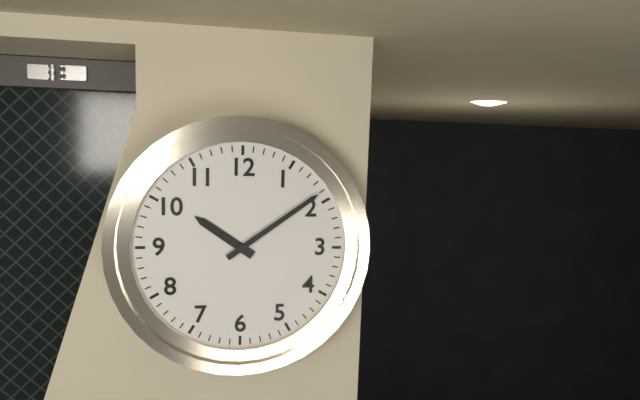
10:09
